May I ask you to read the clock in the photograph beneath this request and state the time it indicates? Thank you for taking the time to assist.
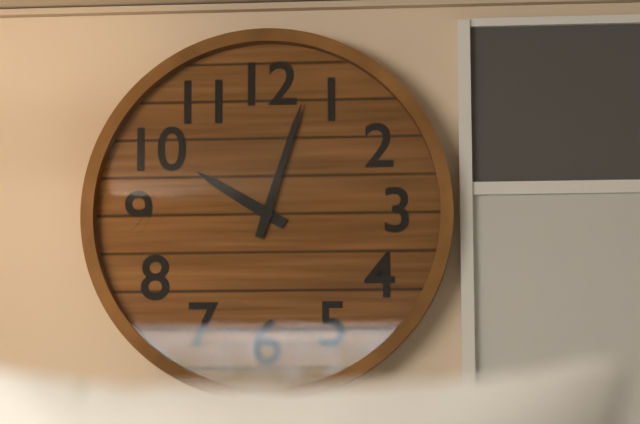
10:03
